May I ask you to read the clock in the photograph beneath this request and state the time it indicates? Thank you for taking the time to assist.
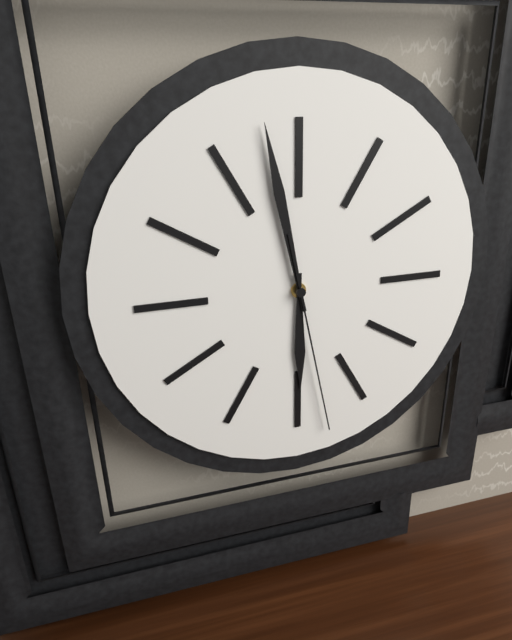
5:58:28
